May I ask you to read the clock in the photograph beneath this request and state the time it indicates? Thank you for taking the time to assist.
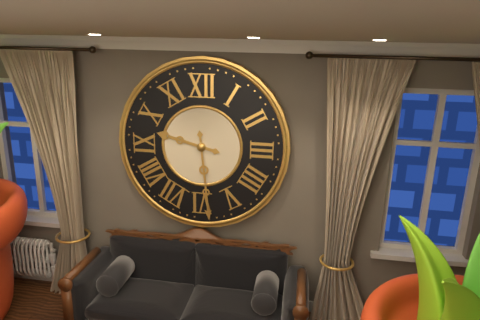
9:29
